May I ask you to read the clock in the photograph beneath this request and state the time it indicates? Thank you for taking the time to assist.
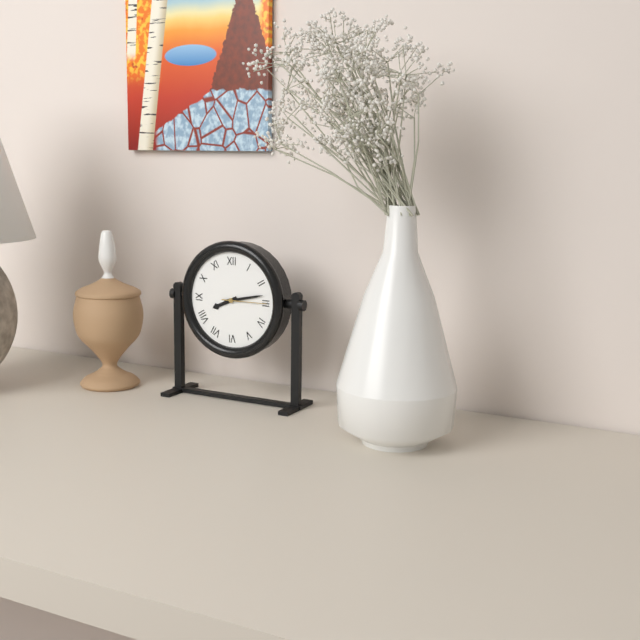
8:13
